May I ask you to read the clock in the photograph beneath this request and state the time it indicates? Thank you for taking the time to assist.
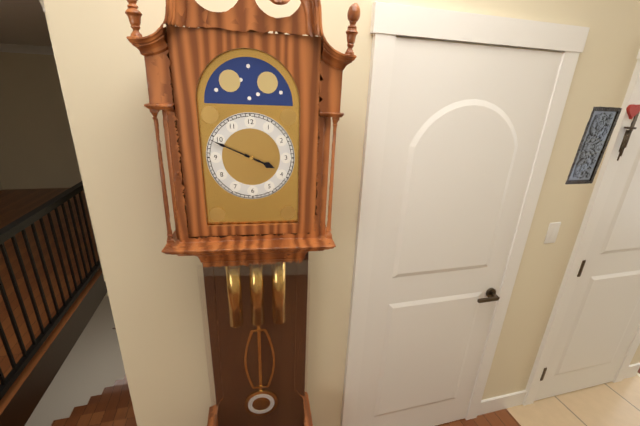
3:49
